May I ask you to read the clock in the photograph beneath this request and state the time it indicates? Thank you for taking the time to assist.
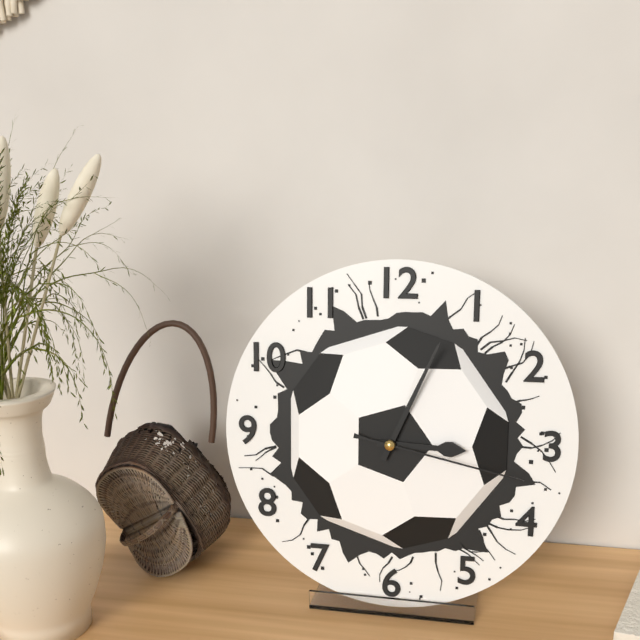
3:04:17
